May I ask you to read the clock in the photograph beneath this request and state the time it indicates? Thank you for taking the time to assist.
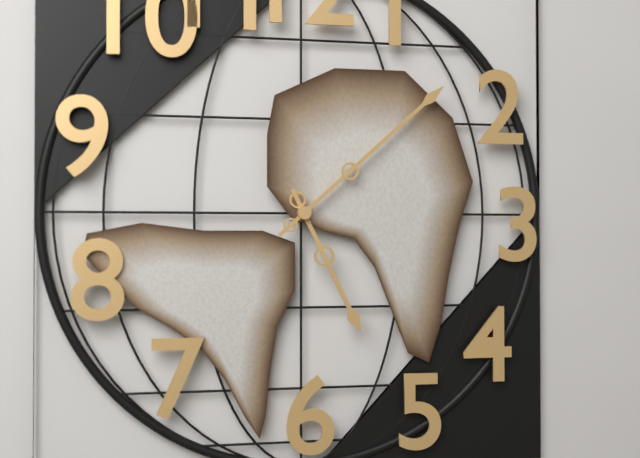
5:08
